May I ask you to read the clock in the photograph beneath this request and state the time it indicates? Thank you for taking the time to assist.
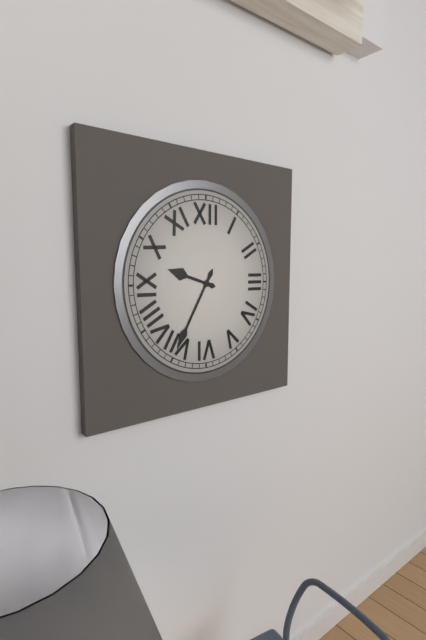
9:35
